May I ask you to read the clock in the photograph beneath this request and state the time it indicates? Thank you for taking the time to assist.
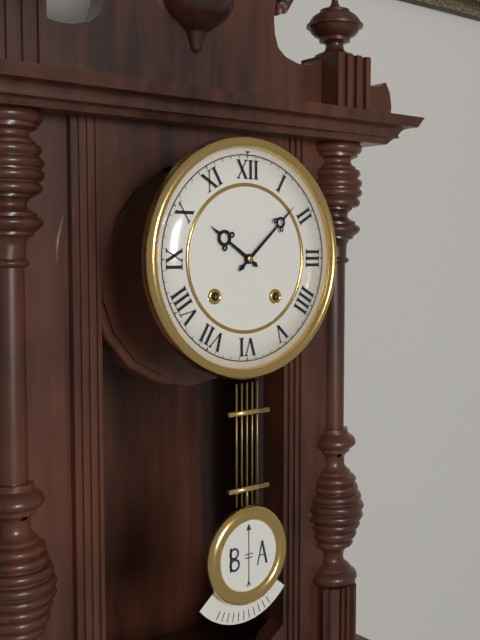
10:08
